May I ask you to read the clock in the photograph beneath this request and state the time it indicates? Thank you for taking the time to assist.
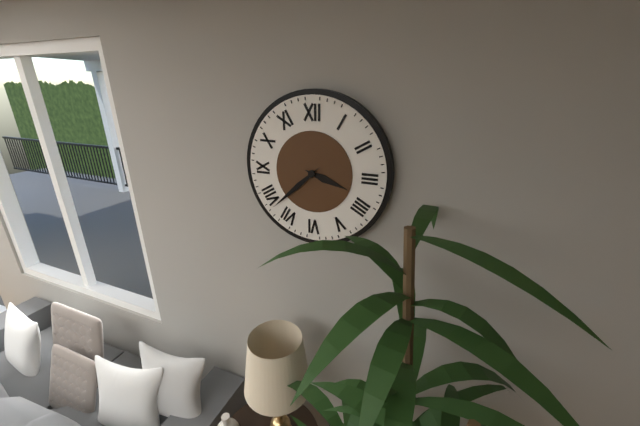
3:38
